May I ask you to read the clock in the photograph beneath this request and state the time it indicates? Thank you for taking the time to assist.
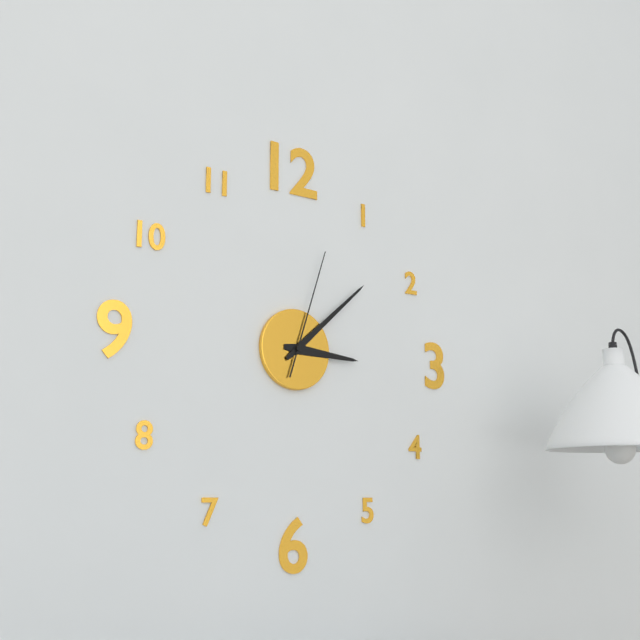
3:08:03
